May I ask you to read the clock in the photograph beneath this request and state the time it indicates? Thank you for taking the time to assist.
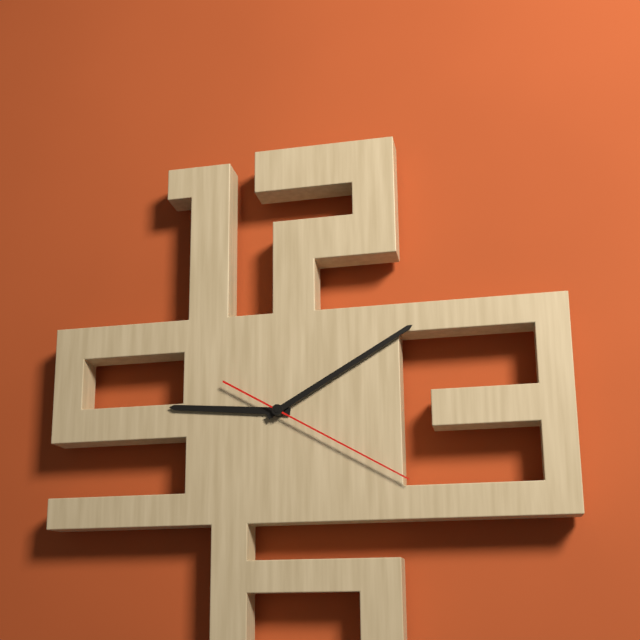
9:10:20
